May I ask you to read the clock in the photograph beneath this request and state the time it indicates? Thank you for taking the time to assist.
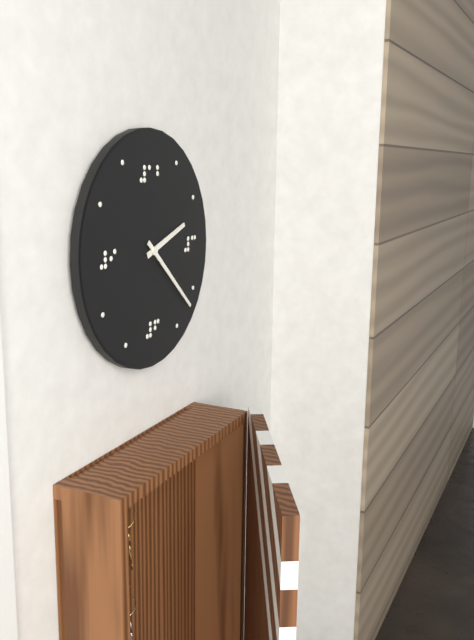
2:22
